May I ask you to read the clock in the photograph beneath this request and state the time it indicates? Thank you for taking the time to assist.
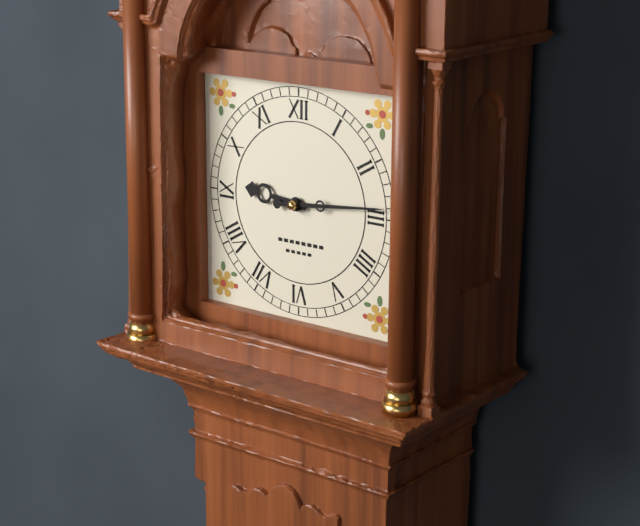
9:14
